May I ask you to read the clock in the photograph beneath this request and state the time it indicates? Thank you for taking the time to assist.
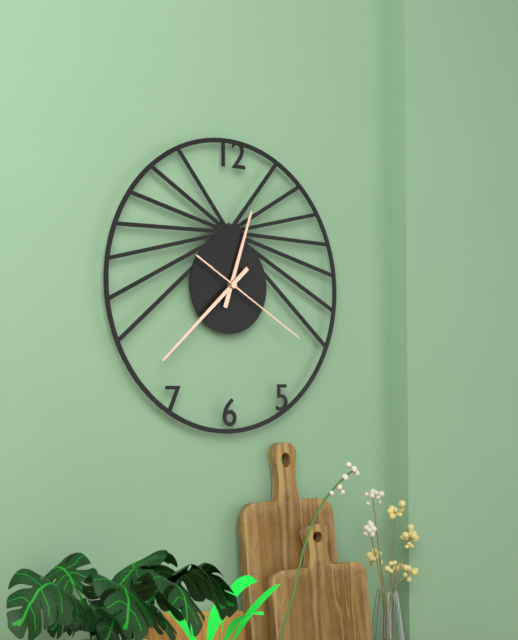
12:38:20
